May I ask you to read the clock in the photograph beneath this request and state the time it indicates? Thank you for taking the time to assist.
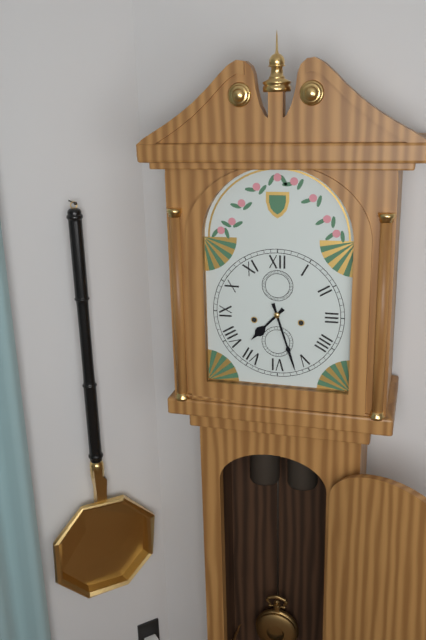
7:27
